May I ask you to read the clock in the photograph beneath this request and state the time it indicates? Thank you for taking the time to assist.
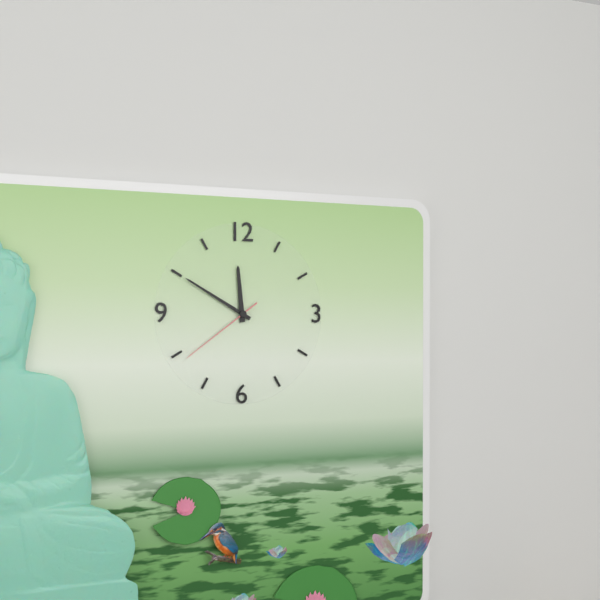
11:50:39
